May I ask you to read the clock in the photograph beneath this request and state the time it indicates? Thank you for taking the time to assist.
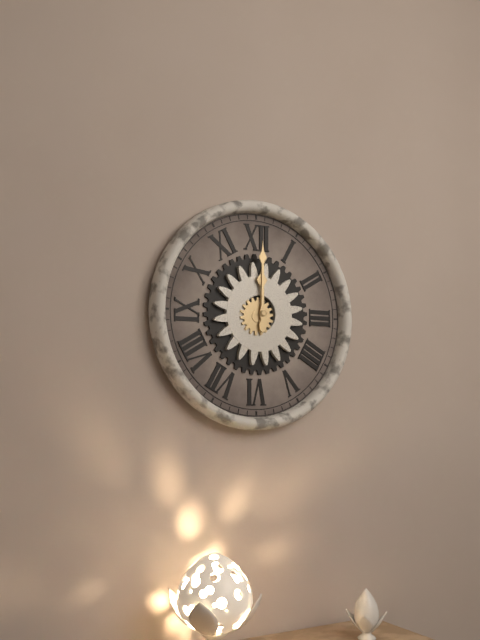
12:00
